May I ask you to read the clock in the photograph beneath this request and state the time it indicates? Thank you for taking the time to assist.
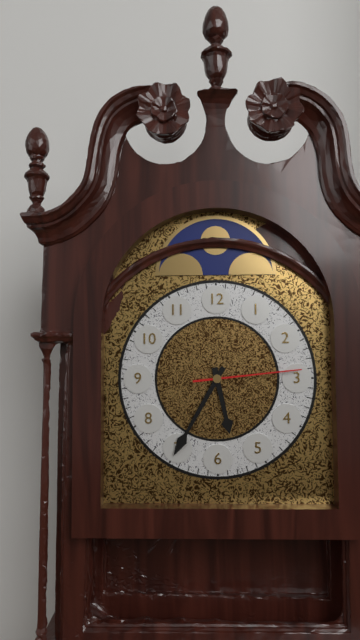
5:35:14
